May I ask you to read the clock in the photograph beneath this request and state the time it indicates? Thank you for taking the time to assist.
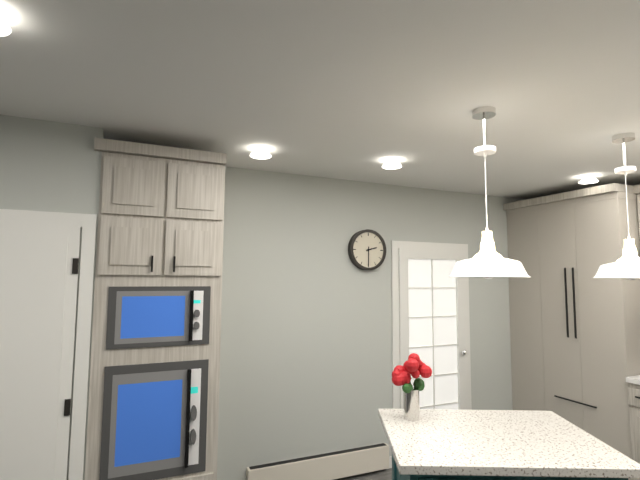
2:30
